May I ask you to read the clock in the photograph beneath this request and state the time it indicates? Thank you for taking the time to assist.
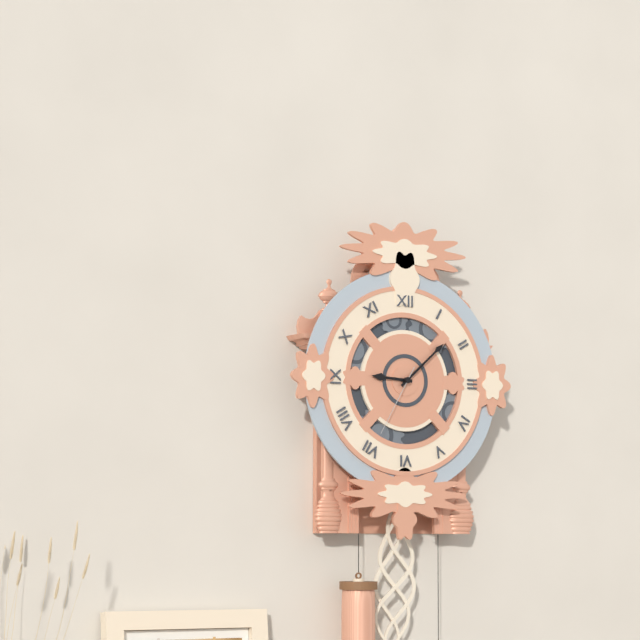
9:08:35
